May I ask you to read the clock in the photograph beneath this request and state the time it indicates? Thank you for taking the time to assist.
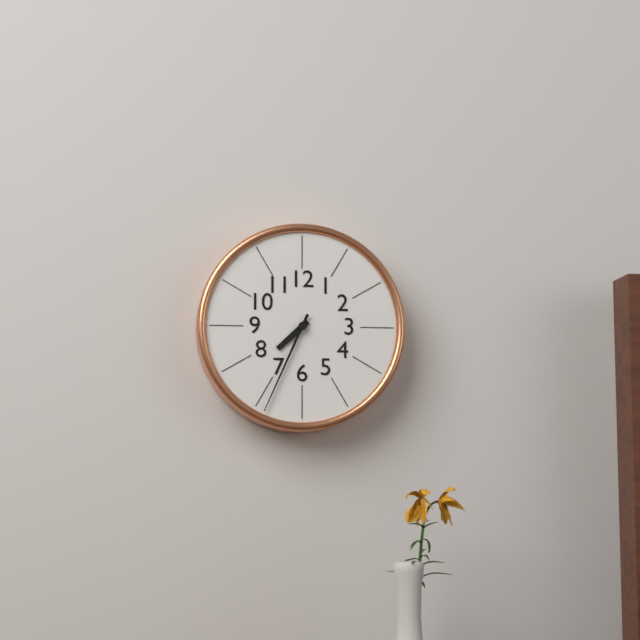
7:34
